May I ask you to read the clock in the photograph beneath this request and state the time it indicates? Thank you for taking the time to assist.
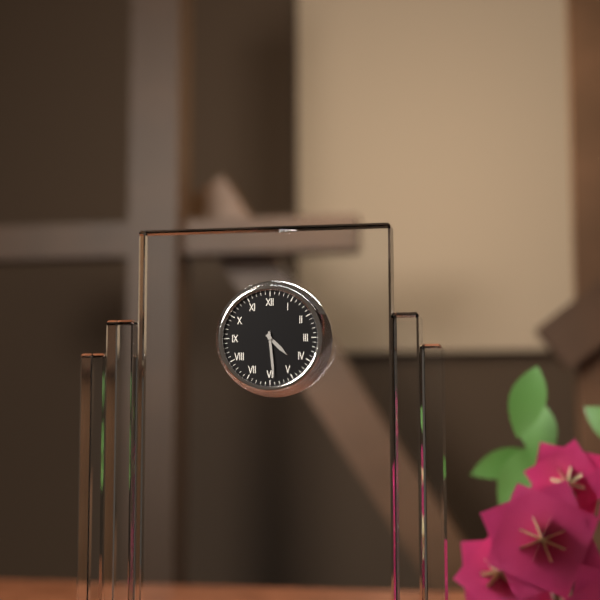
4:29
